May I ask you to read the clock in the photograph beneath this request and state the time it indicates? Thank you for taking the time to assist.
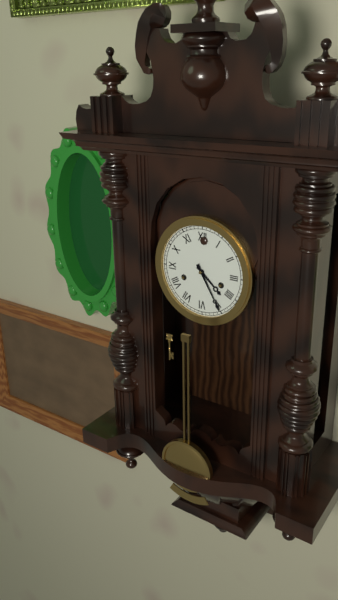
4:25
